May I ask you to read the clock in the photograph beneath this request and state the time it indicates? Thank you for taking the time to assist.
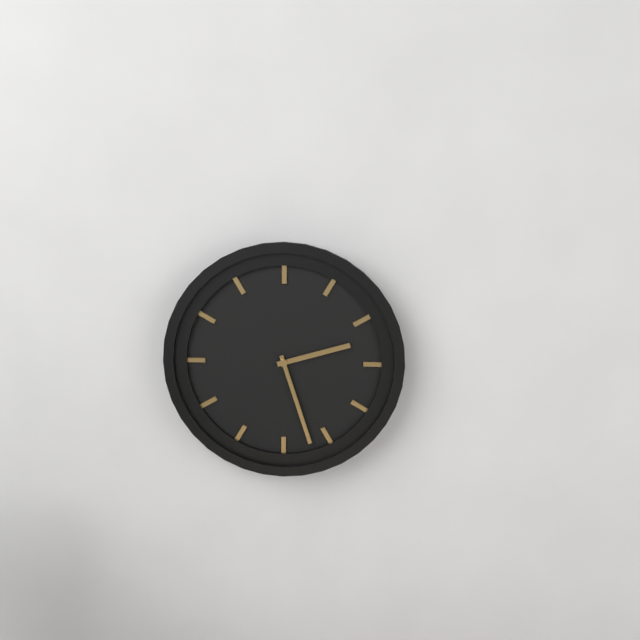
2:27
